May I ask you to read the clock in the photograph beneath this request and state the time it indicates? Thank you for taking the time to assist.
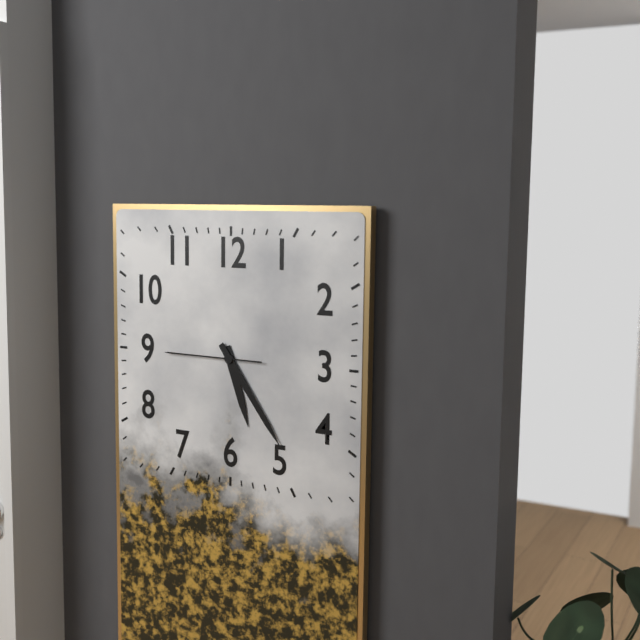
5:24:45
